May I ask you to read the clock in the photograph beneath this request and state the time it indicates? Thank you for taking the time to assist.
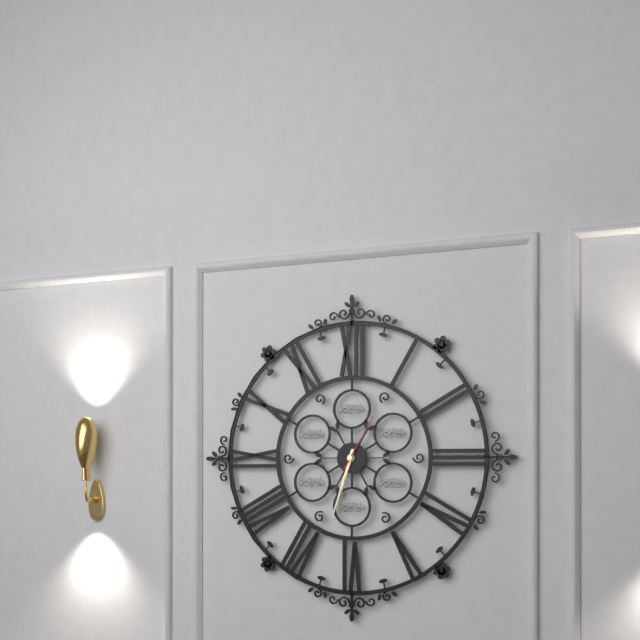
6:33:05
